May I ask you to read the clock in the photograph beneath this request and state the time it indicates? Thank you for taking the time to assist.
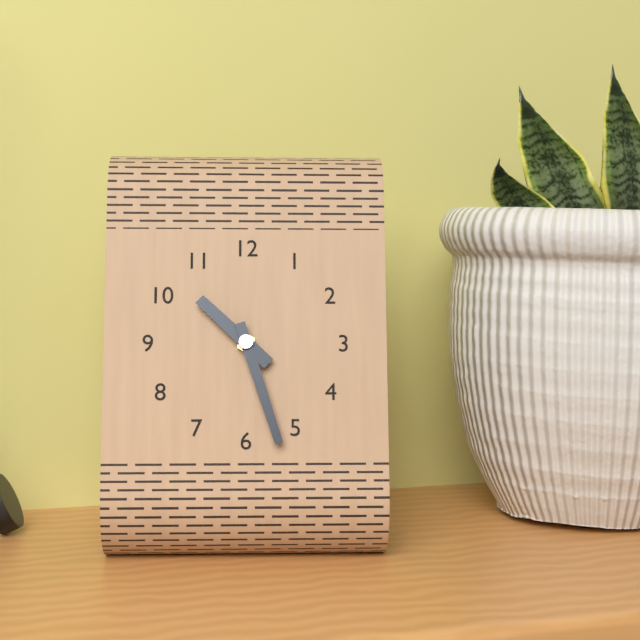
10:27
